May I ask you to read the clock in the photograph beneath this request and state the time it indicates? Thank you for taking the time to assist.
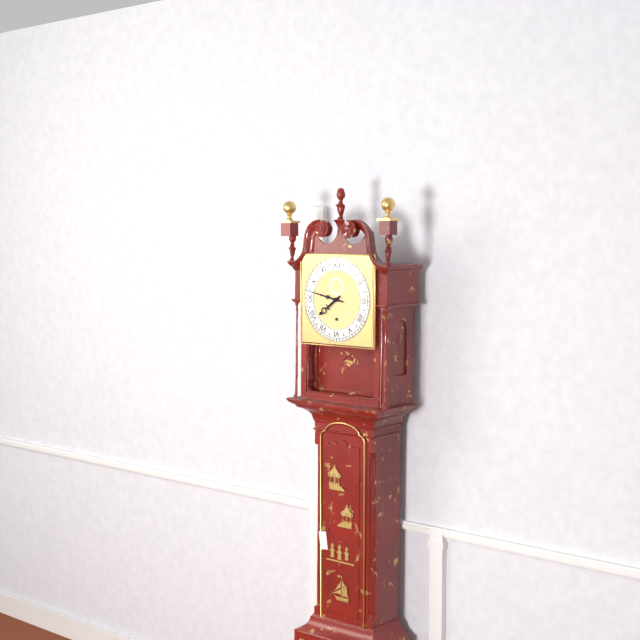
7:47
